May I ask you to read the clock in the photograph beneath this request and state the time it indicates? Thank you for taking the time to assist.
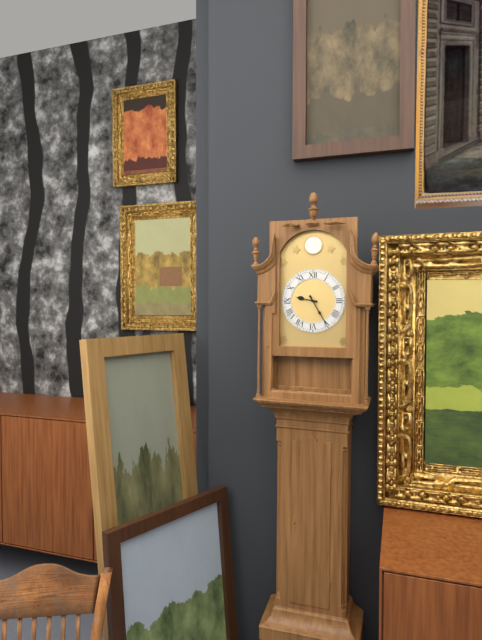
9:25
